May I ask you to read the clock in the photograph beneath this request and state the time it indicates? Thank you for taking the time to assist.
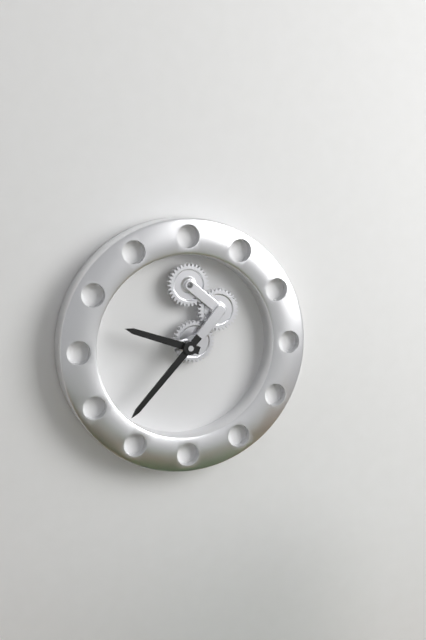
9:37
